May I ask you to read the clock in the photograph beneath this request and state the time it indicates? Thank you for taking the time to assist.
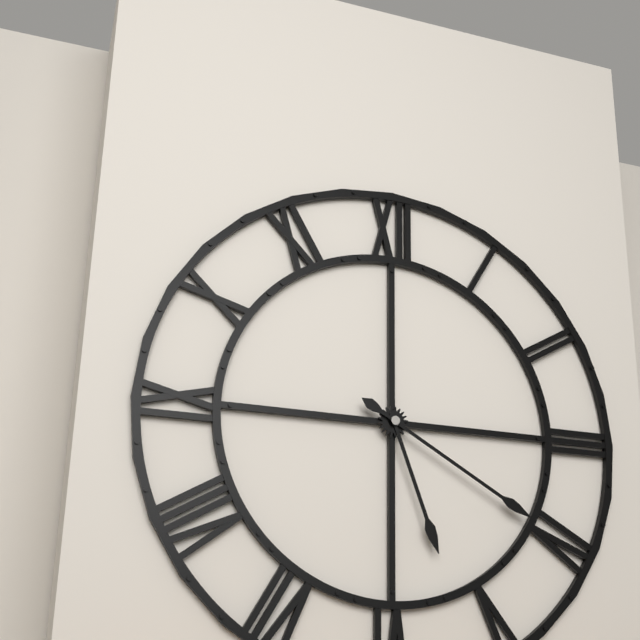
5:20
